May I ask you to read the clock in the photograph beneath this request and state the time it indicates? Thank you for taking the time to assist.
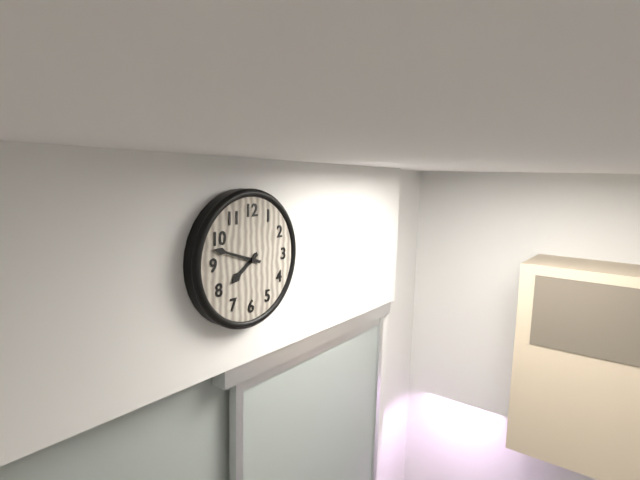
7:48
